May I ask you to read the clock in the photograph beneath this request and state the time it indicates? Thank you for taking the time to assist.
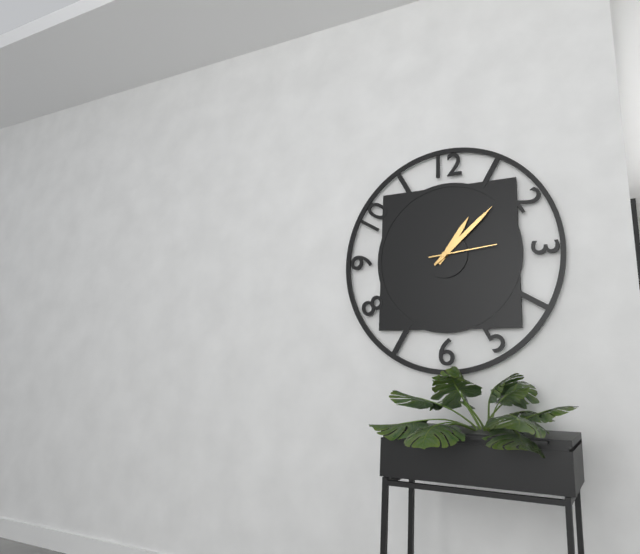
1:08:14
